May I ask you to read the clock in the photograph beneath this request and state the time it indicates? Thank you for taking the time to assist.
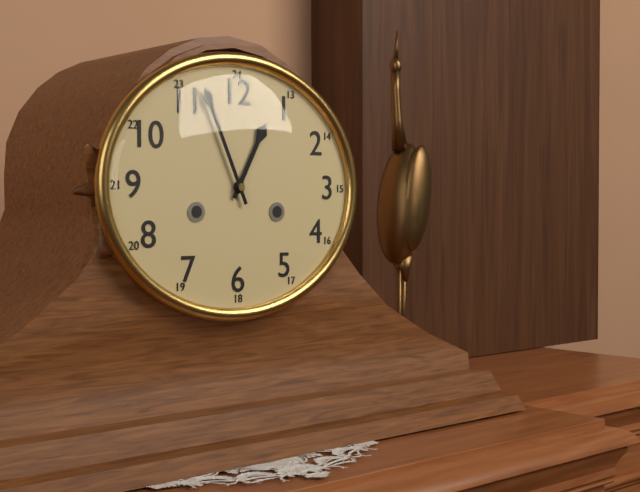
12:56
